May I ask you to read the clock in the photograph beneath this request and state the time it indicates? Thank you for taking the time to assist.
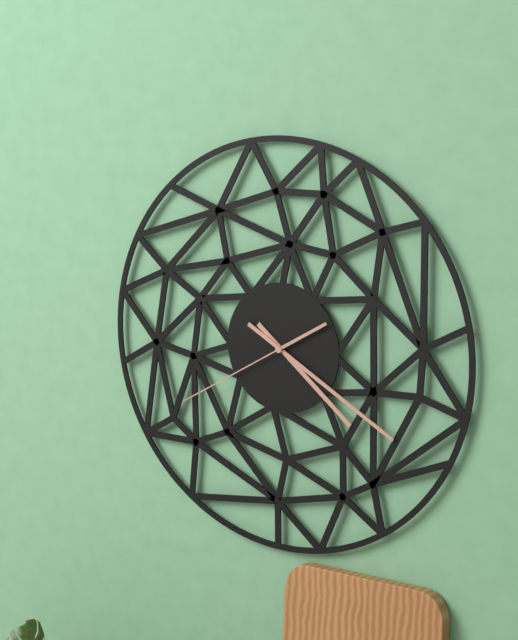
4:20:40
